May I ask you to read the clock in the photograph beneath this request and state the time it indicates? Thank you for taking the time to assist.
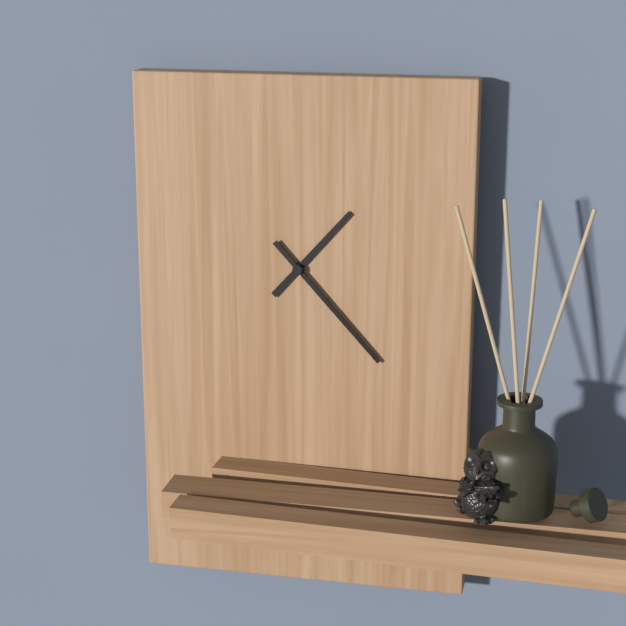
1:23
